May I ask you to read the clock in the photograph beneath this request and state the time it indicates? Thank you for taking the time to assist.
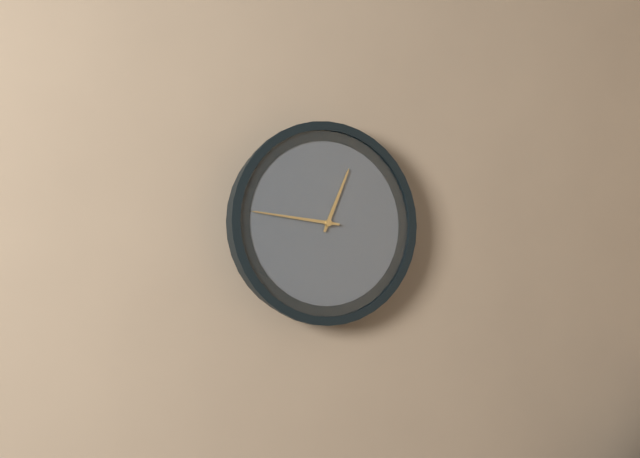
12:46
